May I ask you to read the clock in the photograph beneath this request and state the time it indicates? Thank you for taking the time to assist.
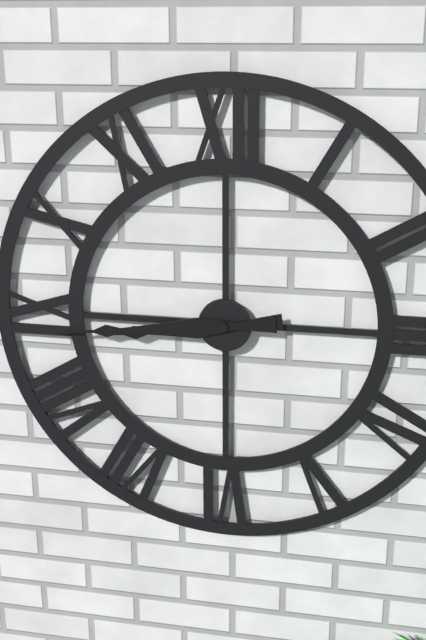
8:44
